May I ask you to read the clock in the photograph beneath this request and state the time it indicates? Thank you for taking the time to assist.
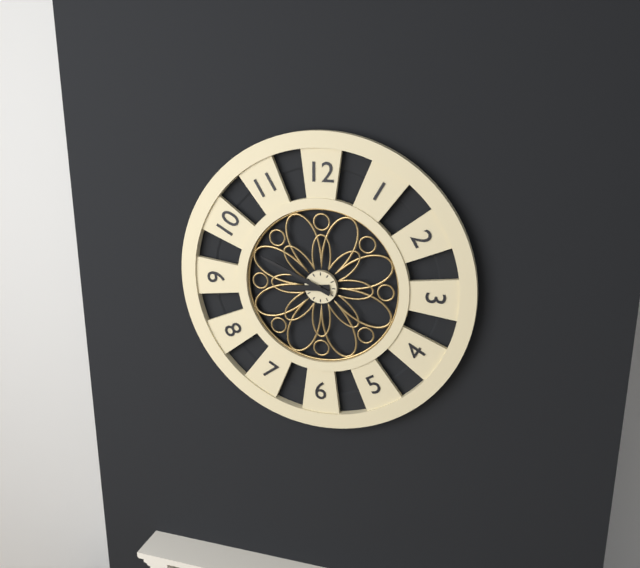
8:49
